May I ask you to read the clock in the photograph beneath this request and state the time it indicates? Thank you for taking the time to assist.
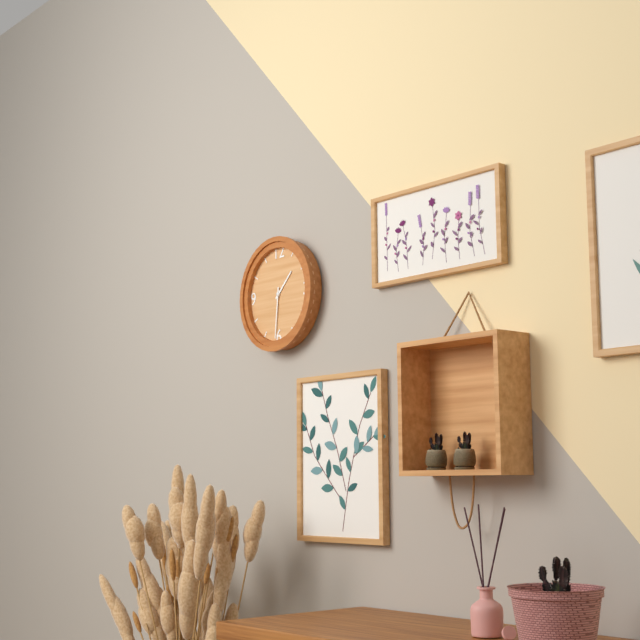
1:31
